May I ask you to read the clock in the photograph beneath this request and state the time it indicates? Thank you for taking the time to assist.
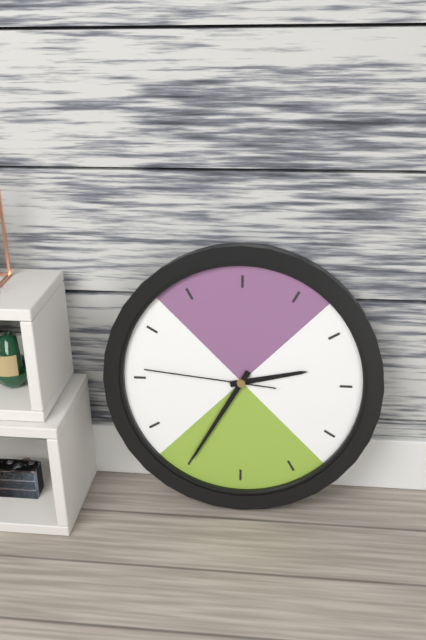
2:35:46
